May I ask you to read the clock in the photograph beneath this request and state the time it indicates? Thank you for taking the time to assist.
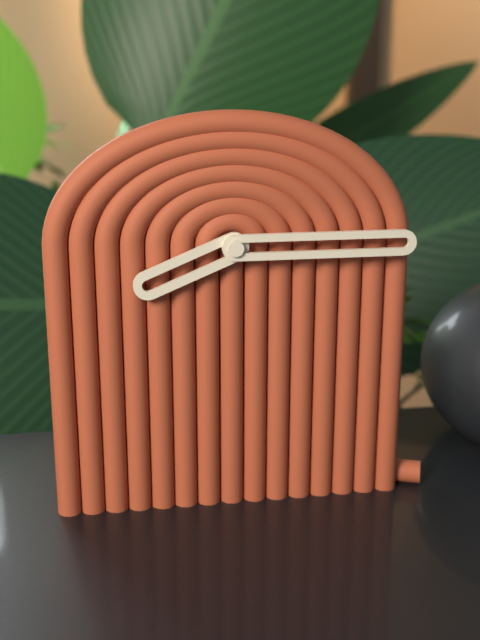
8:15
